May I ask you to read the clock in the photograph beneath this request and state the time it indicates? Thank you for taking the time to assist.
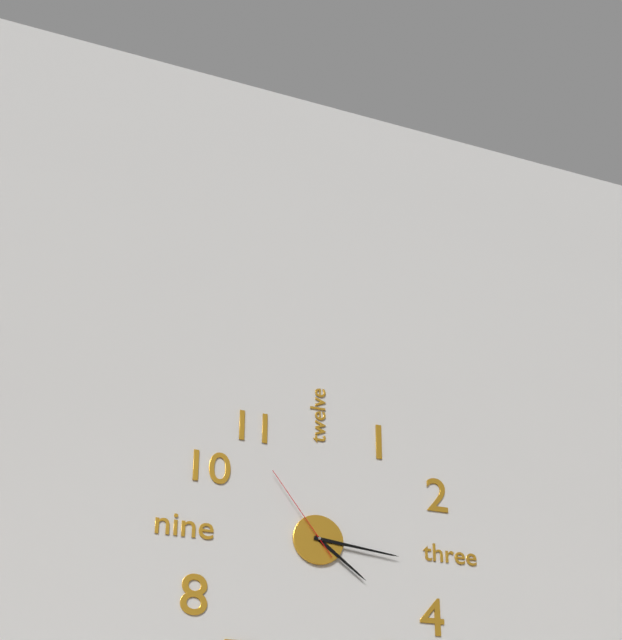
4:16:54
